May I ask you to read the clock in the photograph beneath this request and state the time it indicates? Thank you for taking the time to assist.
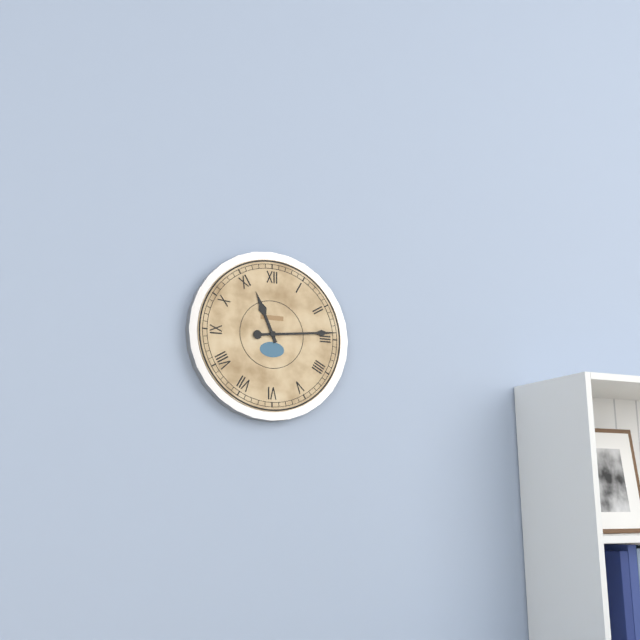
11:14
